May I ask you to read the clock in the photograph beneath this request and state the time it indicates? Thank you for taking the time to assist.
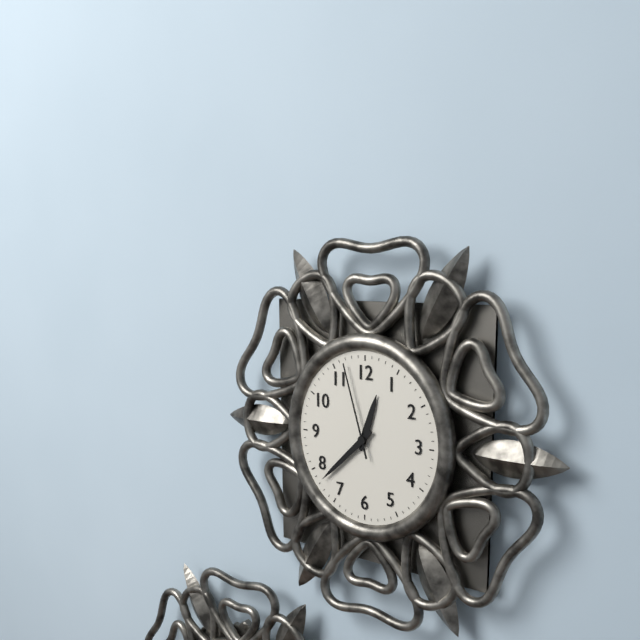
12:38:57
